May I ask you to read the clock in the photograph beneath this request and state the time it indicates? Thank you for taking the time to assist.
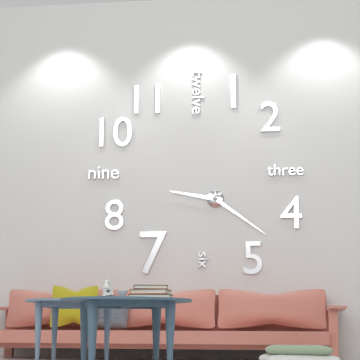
9:21
